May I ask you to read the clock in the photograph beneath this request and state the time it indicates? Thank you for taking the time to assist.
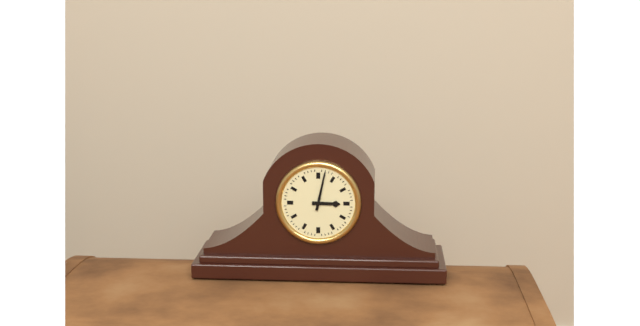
3:02
